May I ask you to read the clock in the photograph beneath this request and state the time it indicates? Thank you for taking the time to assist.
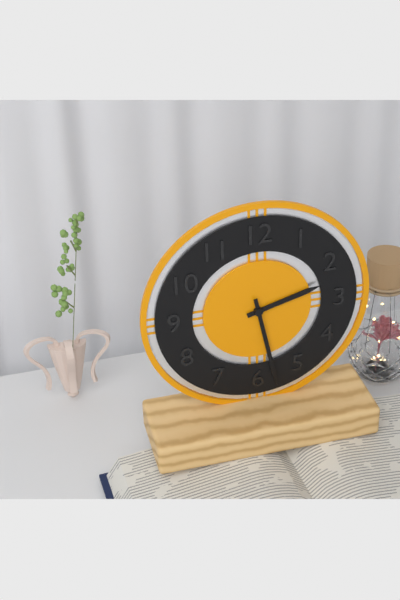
2:28
